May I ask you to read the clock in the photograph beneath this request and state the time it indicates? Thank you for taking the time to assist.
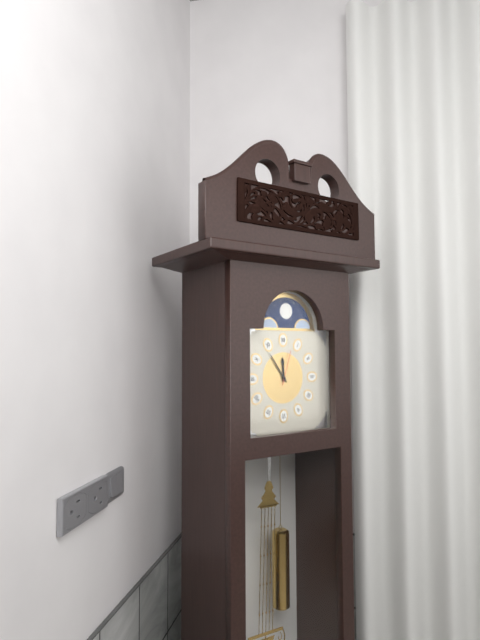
11:54
